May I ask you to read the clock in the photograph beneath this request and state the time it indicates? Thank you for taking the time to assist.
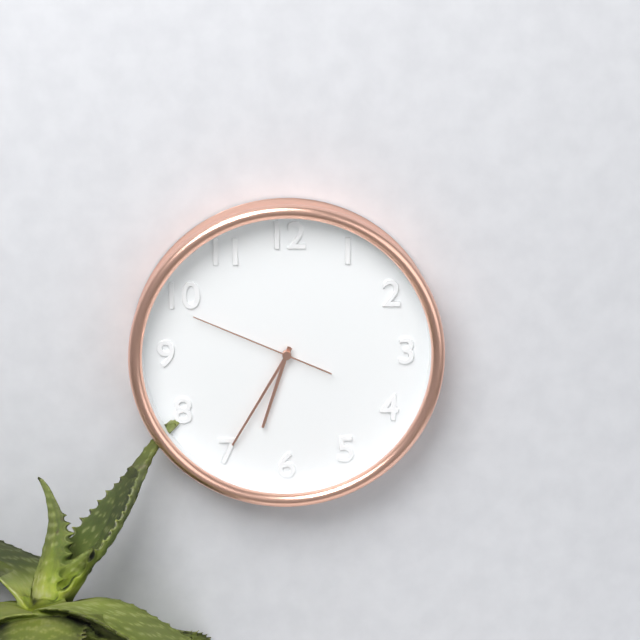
6:35:49
